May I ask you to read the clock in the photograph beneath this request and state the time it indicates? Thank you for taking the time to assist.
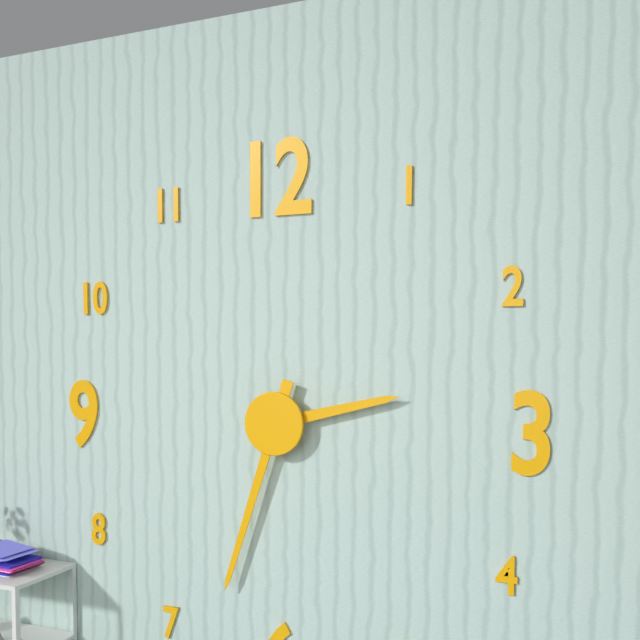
2:33
